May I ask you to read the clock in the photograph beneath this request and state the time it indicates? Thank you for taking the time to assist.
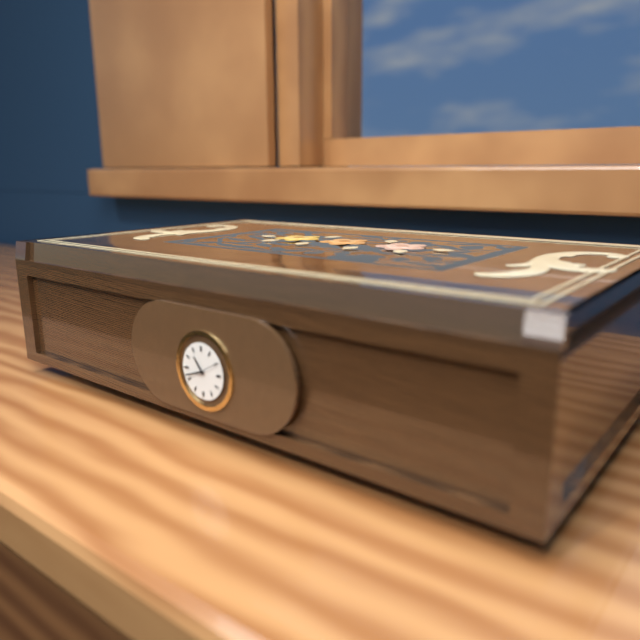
10:42:10
